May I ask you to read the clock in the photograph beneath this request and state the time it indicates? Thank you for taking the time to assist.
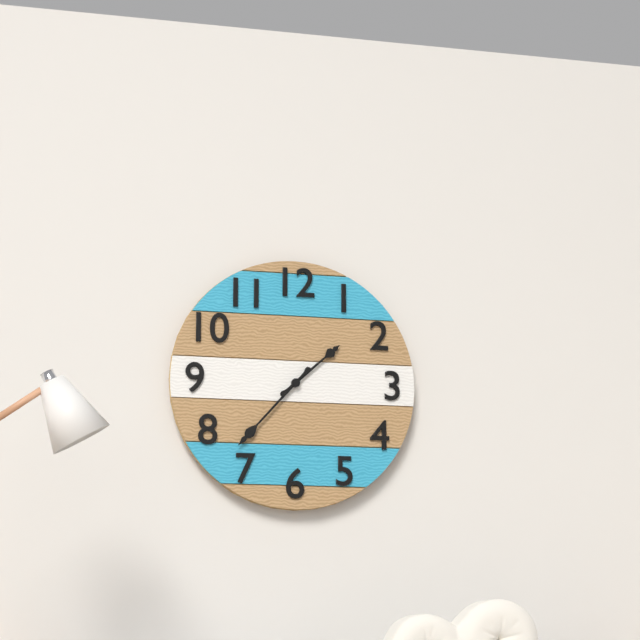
1:37
